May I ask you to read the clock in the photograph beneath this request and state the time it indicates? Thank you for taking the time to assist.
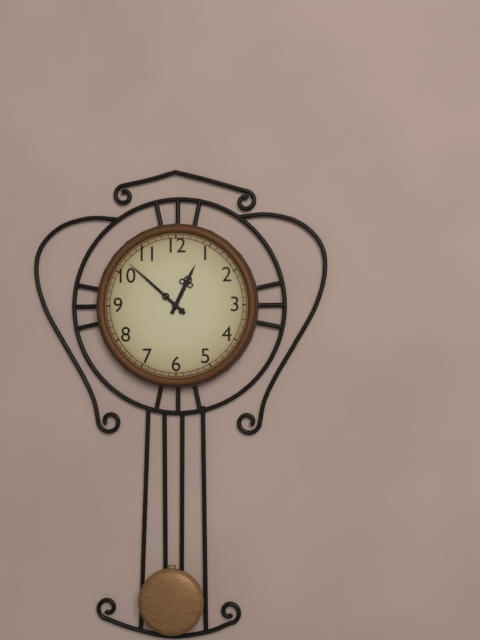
12:52
